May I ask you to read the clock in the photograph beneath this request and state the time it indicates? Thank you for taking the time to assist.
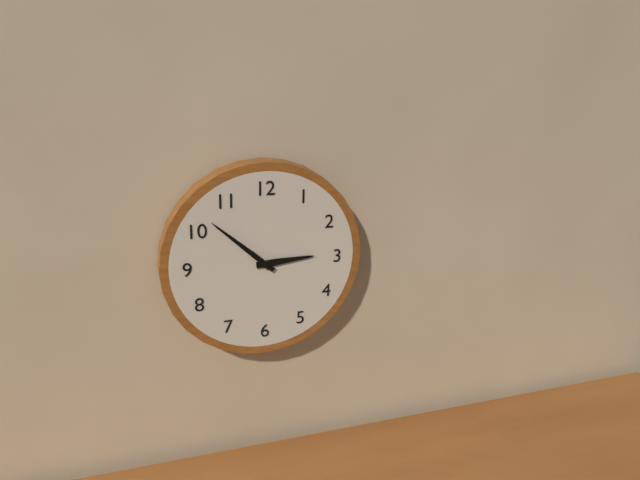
2:52
